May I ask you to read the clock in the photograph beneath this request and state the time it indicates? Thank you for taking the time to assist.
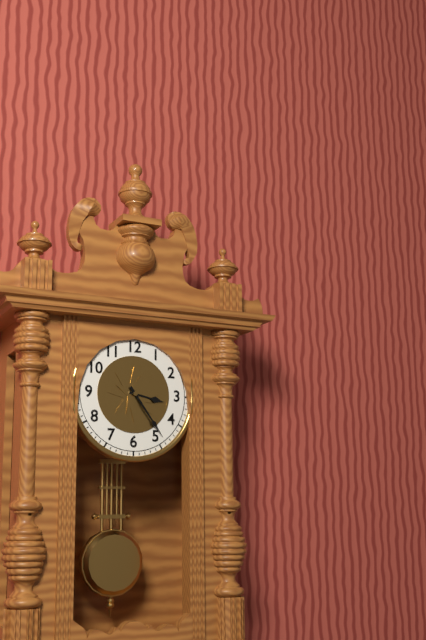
3:24
